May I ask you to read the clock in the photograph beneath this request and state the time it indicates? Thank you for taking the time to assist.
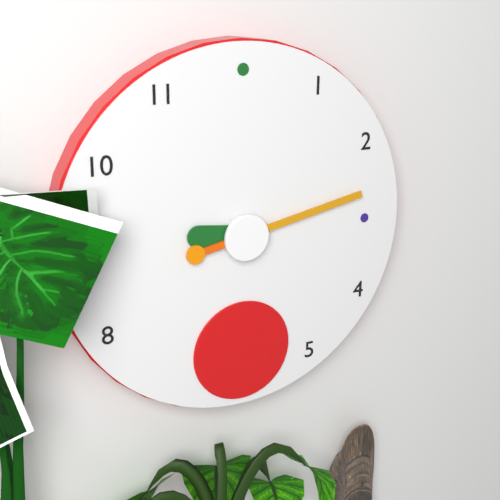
9:13
